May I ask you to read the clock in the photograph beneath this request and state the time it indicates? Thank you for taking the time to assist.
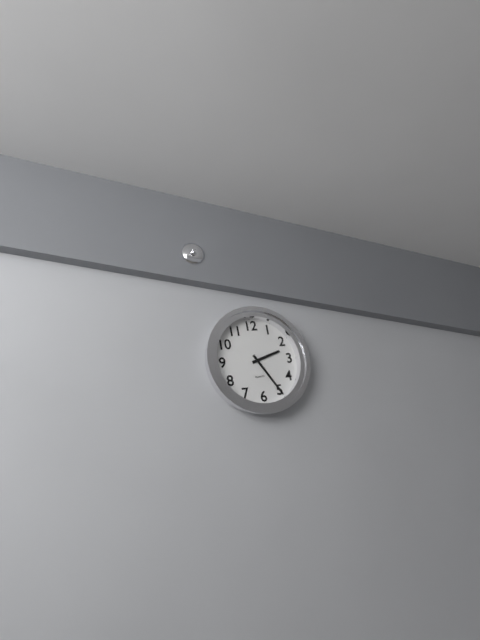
2:25
